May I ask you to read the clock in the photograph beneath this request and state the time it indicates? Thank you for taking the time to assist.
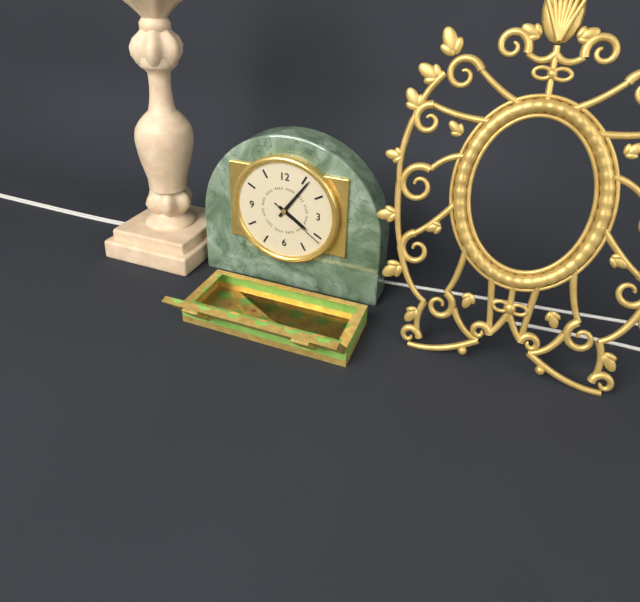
4:06:21
